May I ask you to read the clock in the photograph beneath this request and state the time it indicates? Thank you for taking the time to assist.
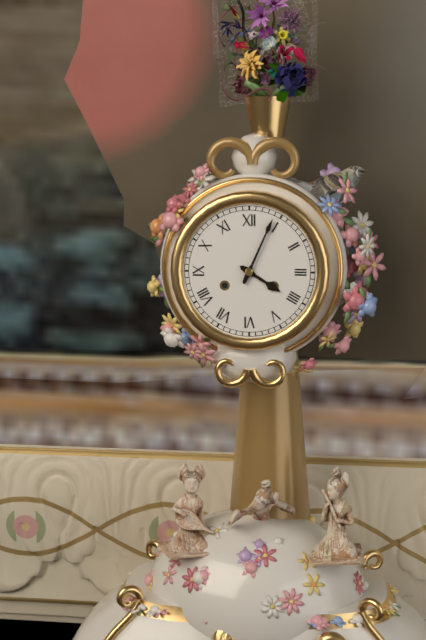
4:04
